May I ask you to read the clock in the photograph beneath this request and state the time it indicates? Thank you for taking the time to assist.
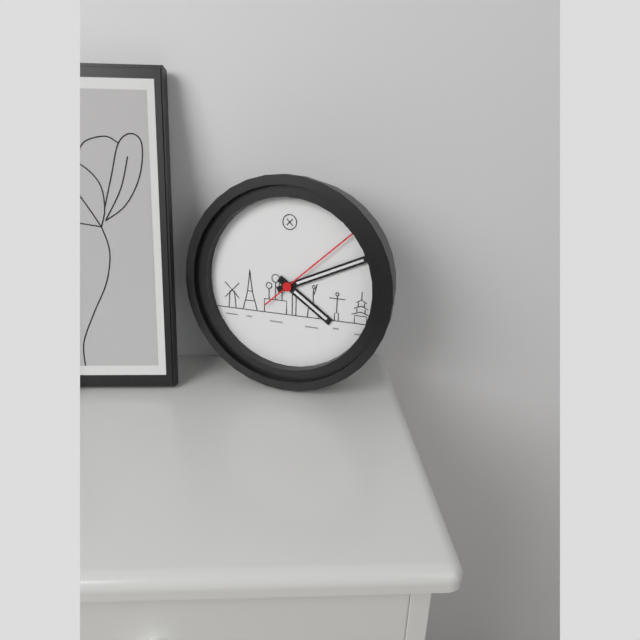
4:11:08
